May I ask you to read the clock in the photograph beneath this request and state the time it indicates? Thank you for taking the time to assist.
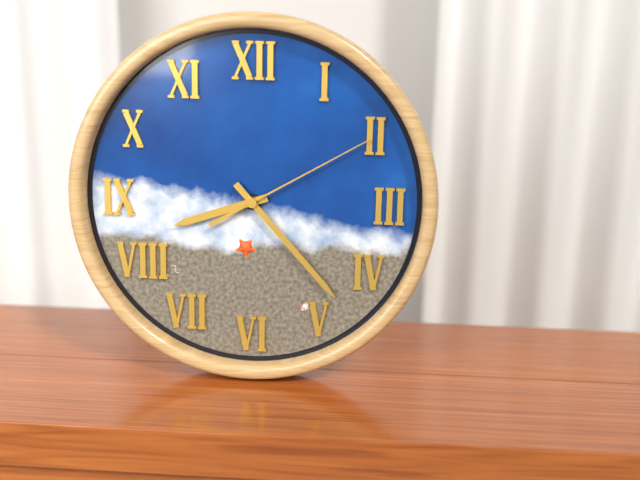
8:23:10
